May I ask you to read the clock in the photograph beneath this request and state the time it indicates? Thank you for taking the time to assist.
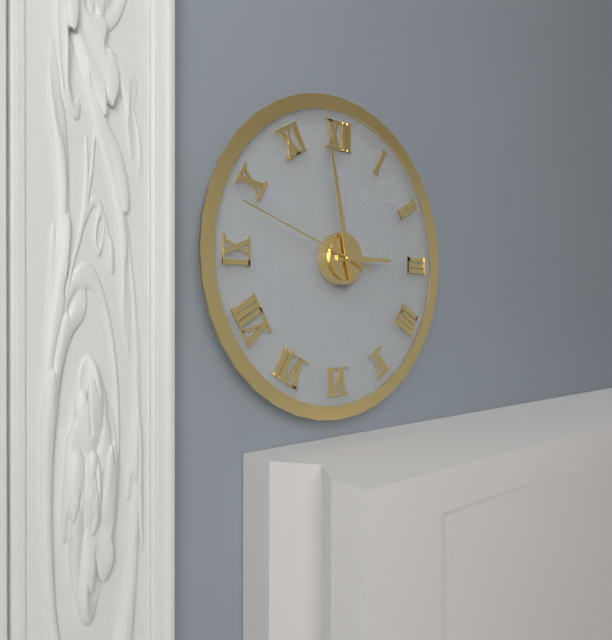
2:58:48
